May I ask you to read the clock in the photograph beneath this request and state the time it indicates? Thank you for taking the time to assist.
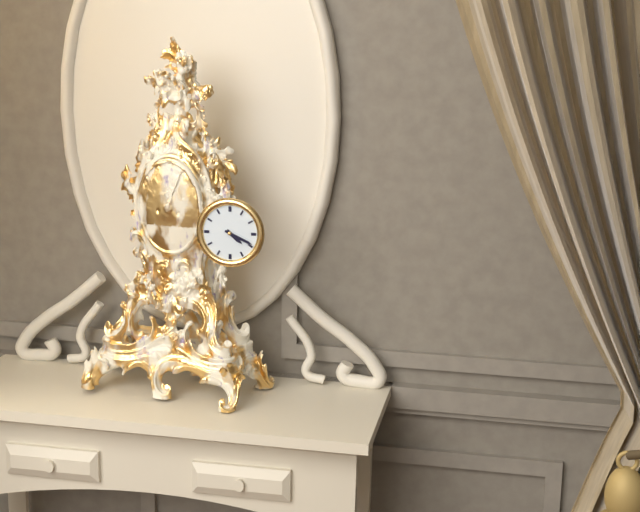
4:19
